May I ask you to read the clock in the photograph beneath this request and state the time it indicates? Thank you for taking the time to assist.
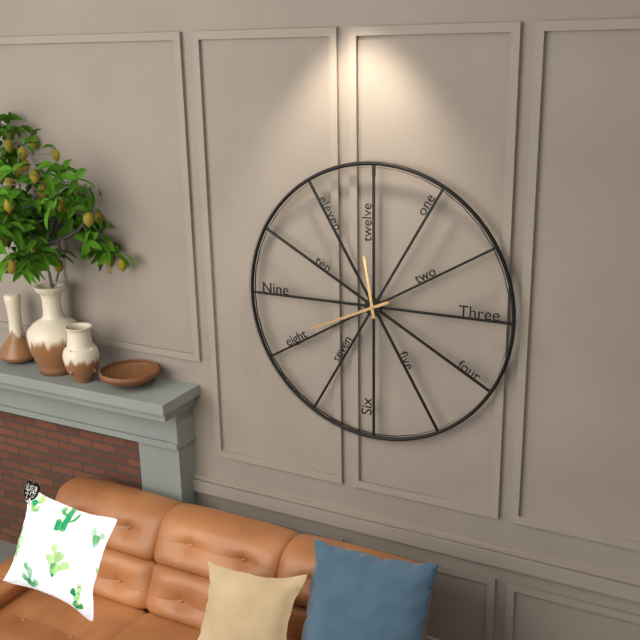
11:41
